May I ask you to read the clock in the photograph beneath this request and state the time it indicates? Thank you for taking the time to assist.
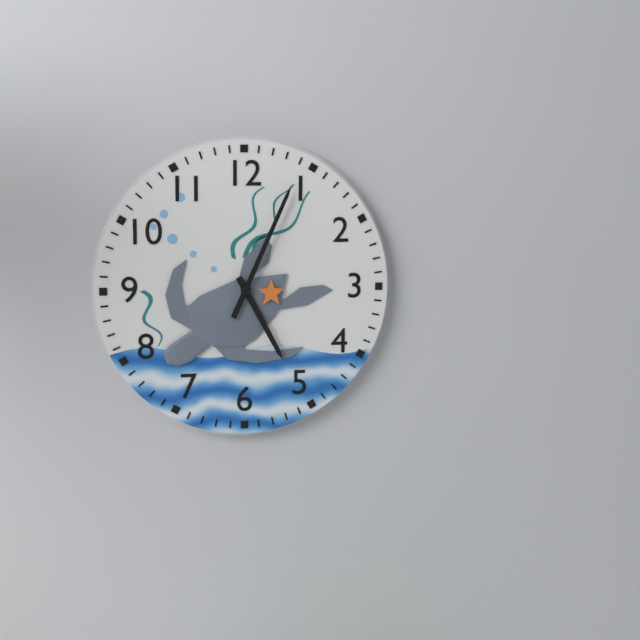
5:04
